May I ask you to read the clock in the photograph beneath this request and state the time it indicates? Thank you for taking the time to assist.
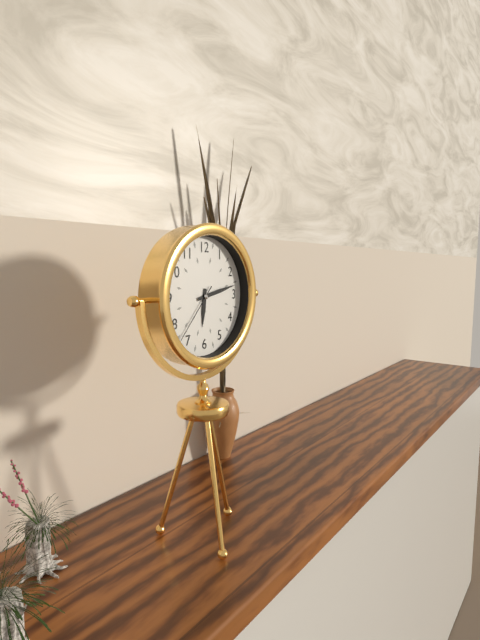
6:13:37
